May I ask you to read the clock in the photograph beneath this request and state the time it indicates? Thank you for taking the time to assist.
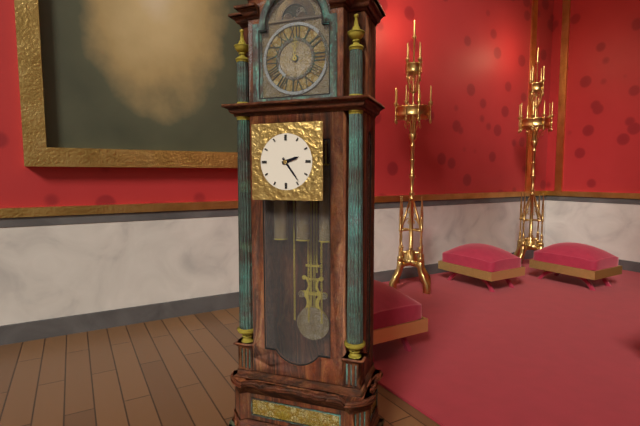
2:24
